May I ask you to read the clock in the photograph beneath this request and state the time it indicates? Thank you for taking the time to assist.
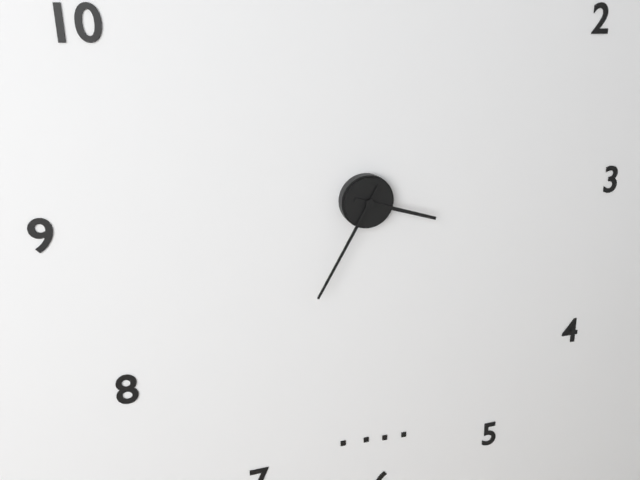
3:35
